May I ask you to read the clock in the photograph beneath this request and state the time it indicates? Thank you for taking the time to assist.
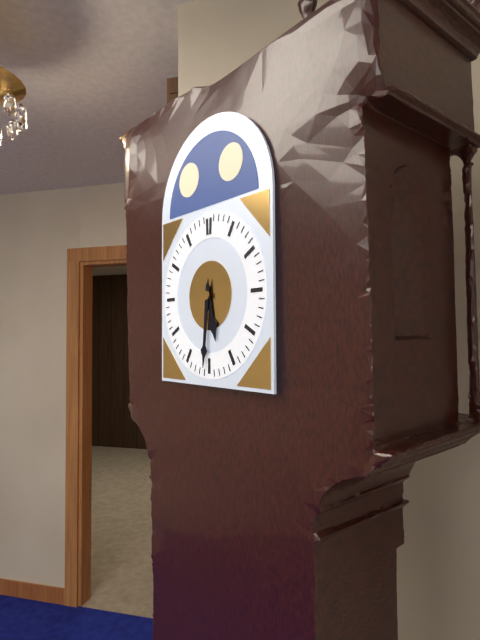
5:31
